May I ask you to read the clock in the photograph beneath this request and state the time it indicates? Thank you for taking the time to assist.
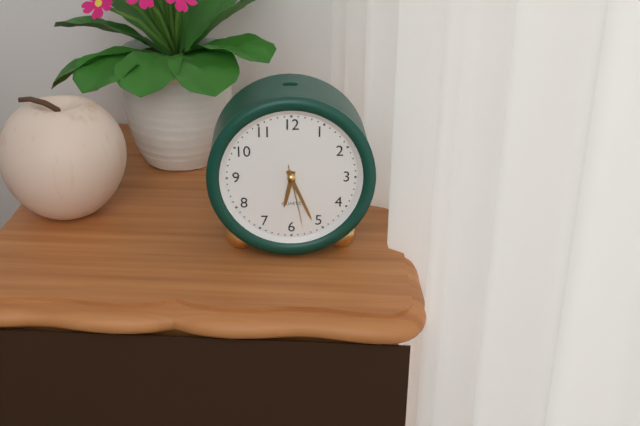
6:26:28
